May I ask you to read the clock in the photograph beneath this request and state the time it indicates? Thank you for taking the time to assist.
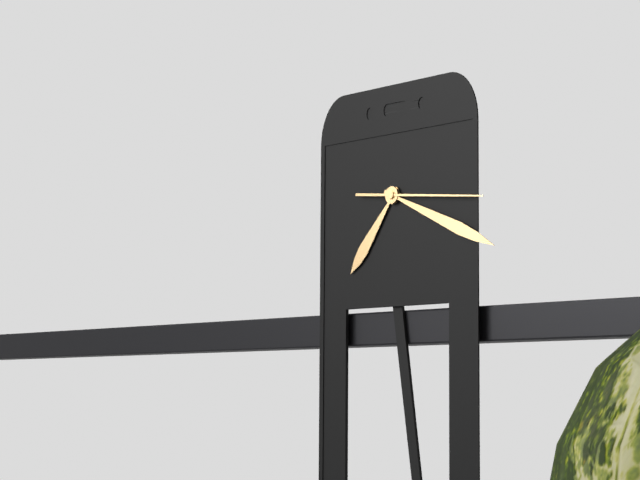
7:19:16
